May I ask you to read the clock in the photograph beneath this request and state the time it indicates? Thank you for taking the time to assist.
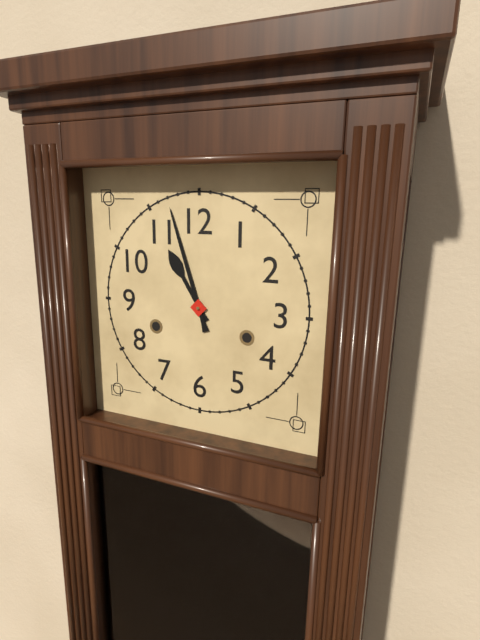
10:57
